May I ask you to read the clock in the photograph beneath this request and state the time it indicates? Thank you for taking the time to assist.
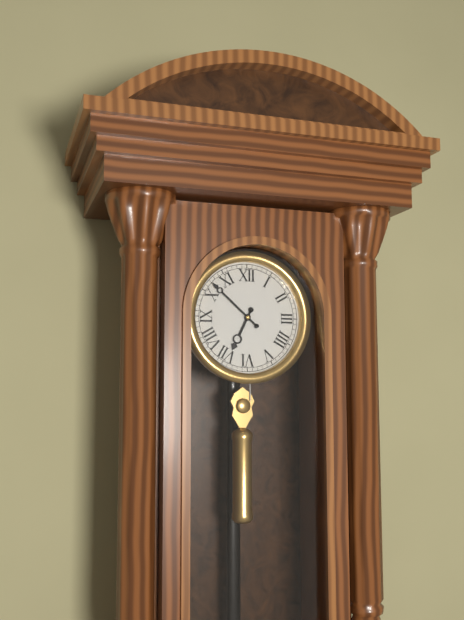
6:52
